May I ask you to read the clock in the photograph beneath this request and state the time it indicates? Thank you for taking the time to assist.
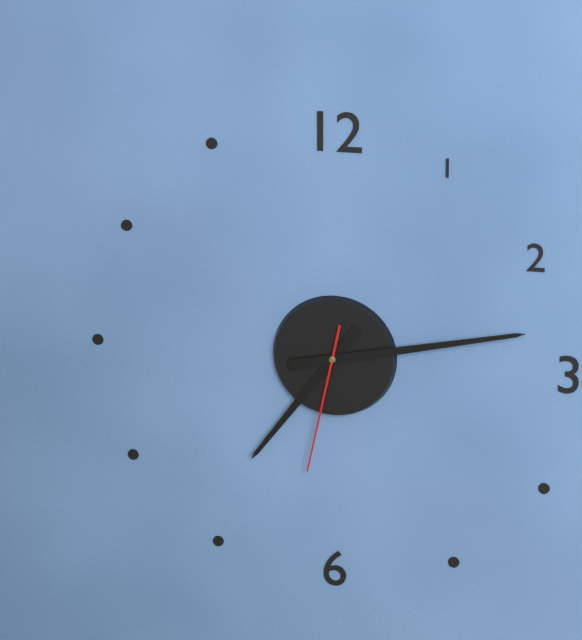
7:13:32
